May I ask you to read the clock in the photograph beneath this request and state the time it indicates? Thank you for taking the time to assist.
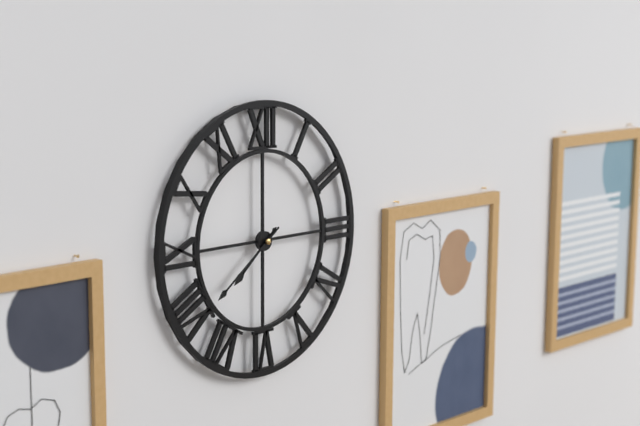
7:39
